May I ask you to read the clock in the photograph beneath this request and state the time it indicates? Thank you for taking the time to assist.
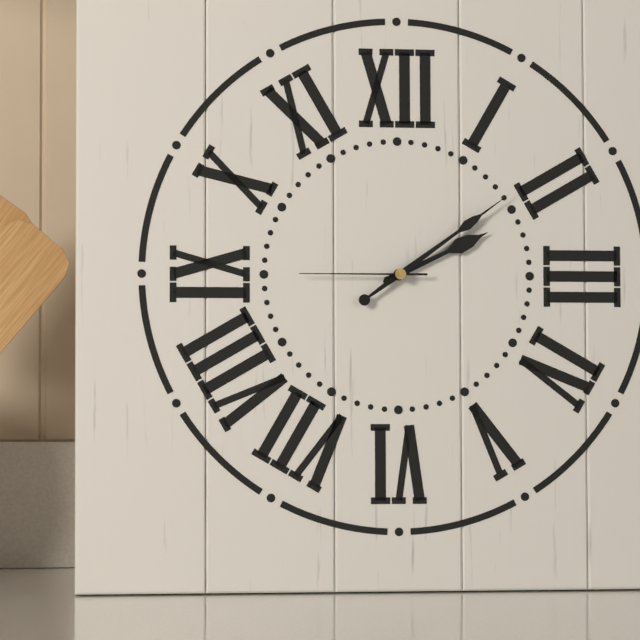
2:09:45
